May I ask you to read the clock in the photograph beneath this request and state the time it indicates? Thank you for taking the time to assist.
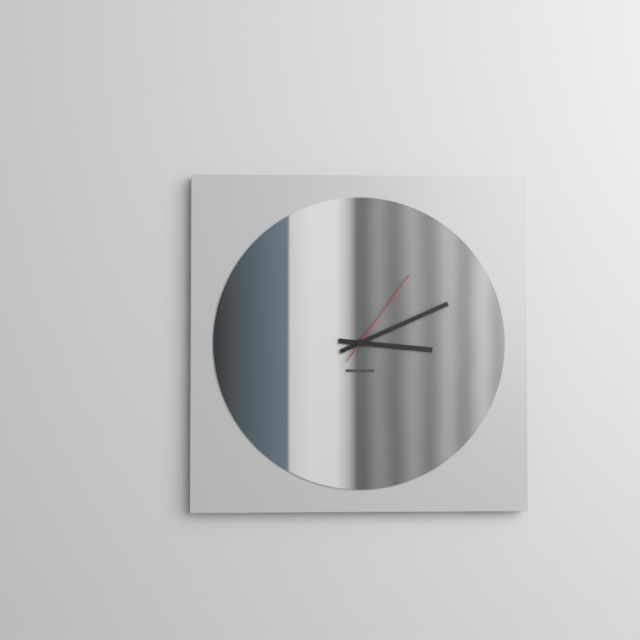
3:11:06
